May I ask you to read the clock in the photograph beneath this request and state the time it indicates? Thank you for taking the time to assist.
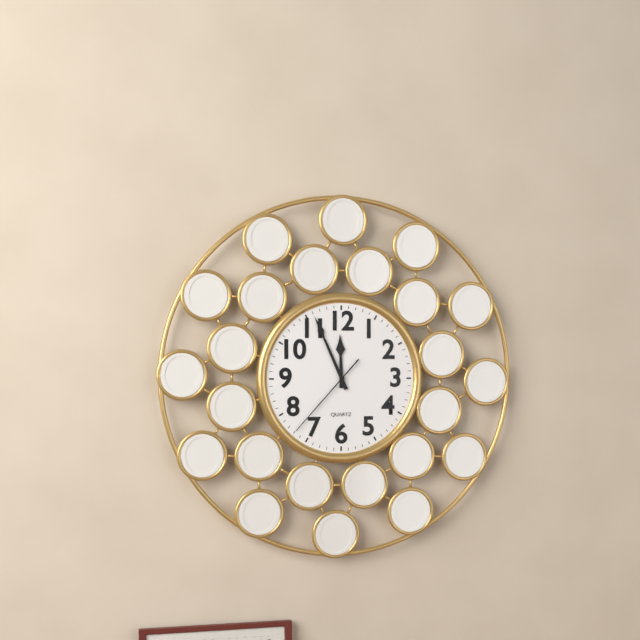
11:56:37
